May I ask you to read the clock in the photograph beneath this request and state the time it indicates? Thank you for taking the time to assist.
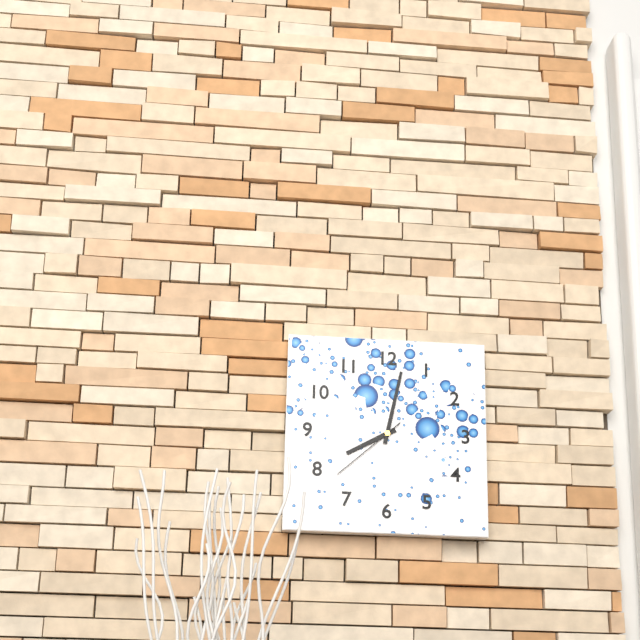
8:02:38
